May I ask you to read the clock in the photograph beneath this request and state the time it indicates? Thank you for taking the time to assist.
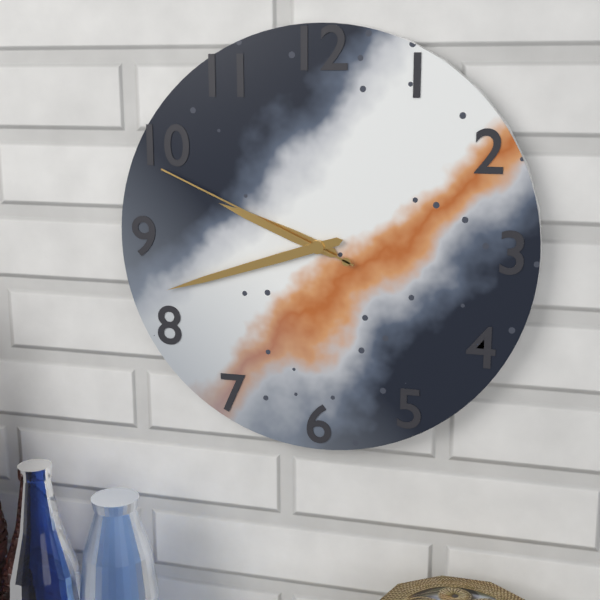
9:42:49
